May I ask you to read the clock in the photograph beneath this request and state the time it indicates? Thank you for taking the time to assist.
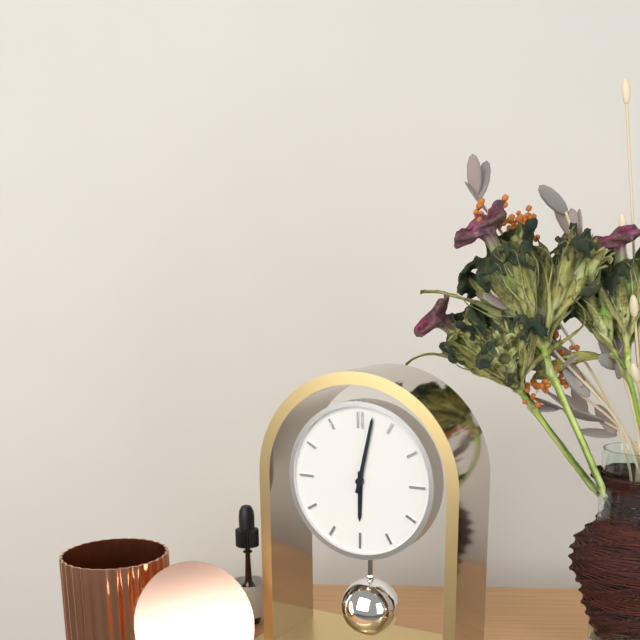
6:02
